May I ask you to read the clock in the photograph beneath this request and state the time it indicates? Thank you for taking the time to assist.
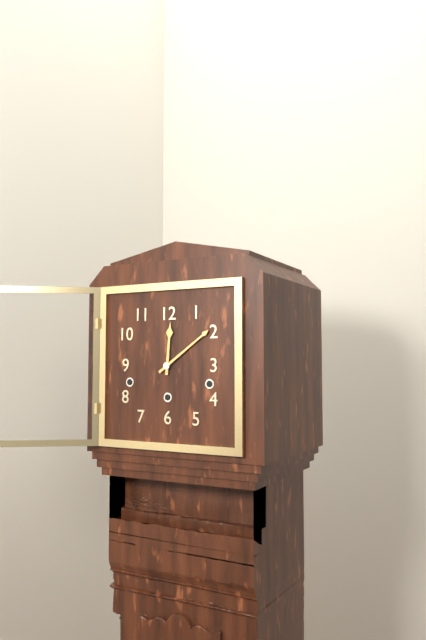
12:09
